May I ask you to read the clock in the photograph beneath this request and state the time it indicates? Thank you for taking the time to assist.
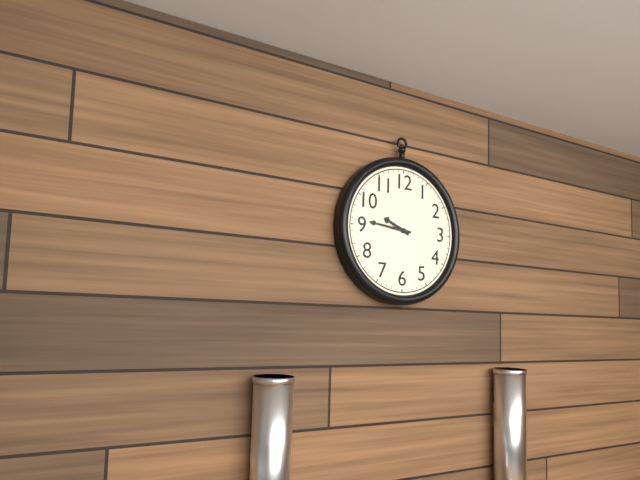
9:46
